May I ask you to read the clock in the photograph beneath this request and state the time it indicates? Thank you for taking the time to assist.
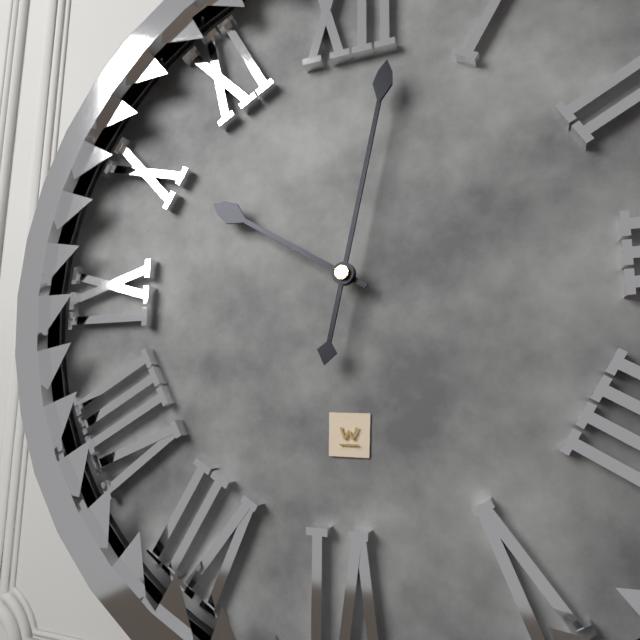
10:02
